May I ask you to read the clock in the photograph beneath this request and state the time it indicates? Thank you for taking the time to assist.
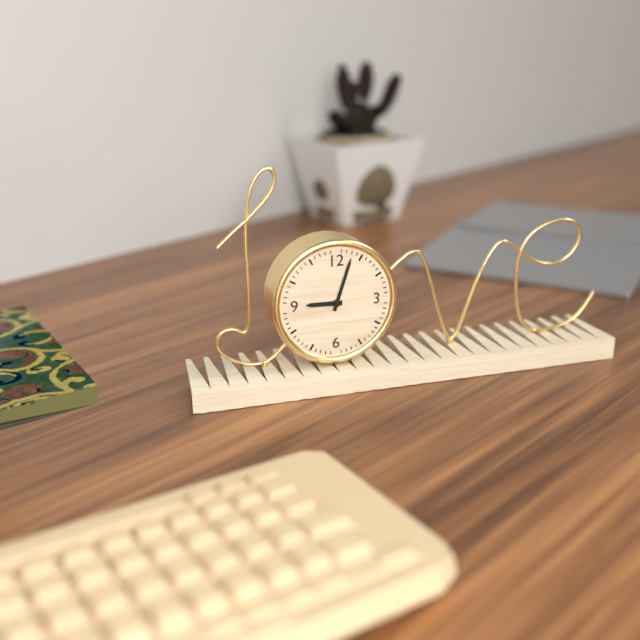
9:03
